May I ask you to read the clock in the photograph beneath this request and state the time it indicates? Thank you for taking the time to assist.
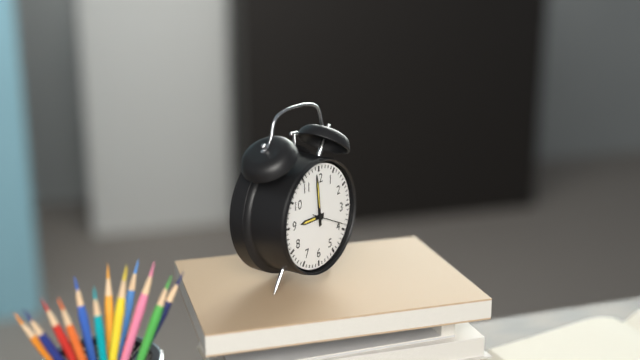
8:59
